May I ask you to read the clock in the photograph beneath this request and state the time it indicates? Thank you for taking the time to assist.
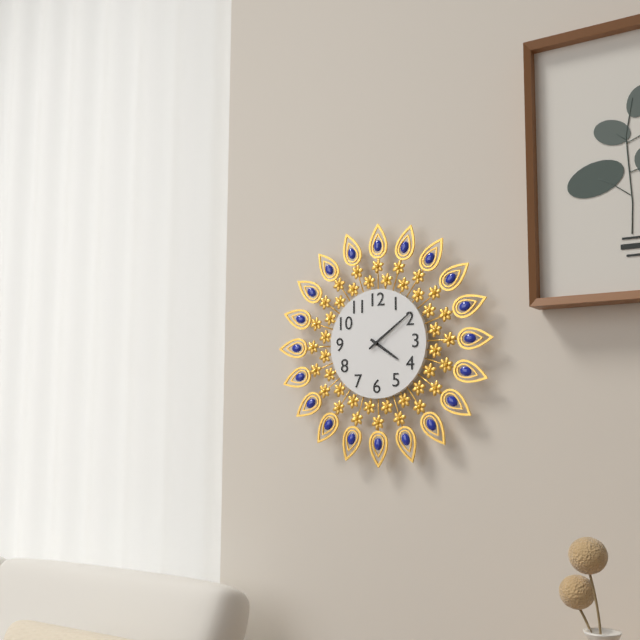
4:09
